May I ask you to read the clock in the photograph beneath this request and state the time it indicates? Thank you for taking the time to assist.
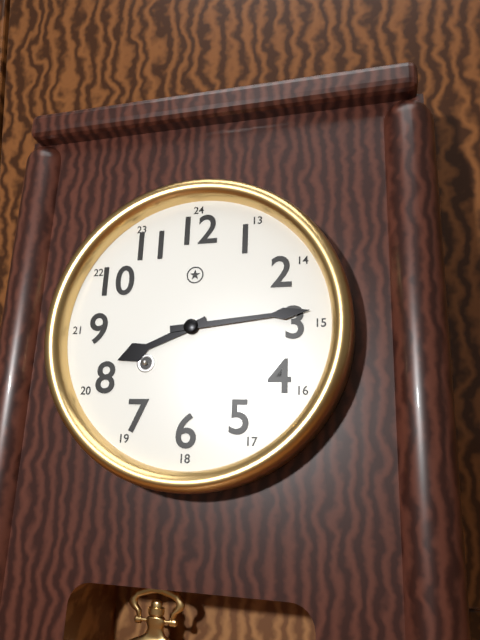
8:14
